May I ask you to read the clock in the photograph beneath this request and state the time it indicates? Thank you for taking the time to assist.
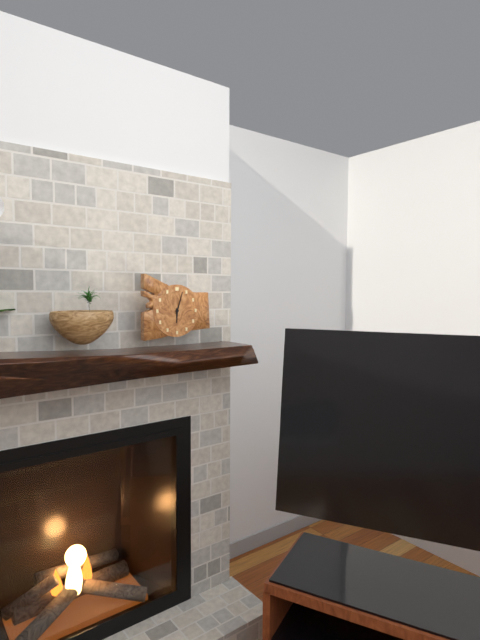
6:03
